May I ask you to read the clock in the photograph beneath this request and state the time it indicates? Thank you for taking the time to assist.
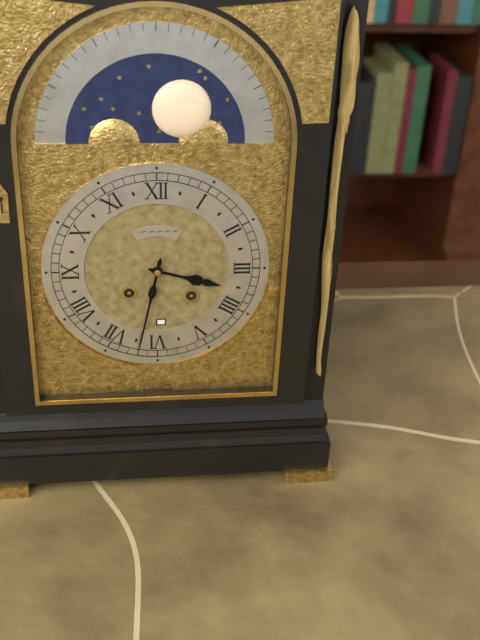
3:32
